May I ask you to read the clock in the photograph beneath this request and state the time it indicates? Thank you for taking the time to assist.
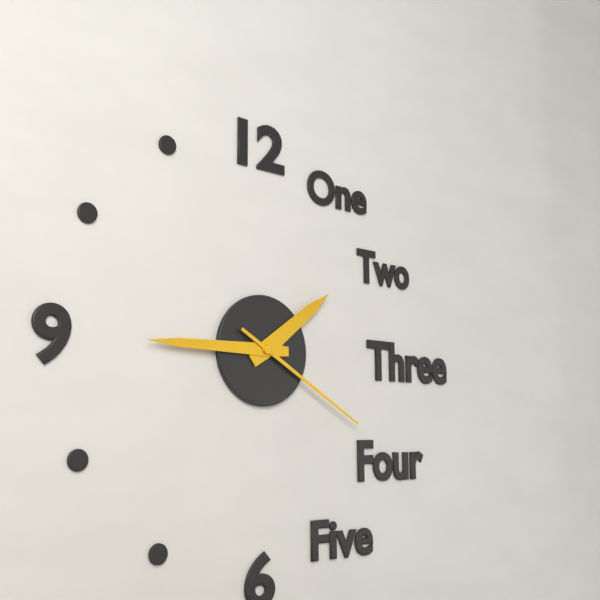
1:45:20
